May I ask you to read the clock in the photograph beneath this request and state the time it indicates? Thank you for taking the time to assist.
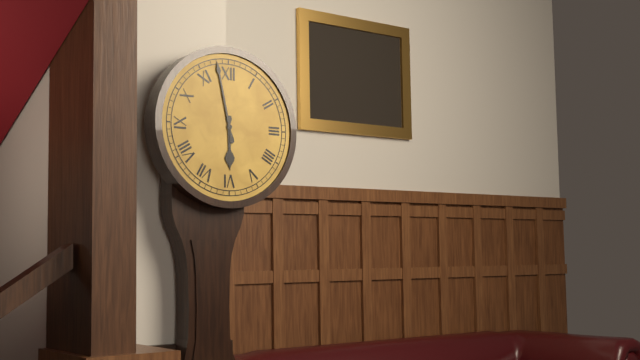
5:58
